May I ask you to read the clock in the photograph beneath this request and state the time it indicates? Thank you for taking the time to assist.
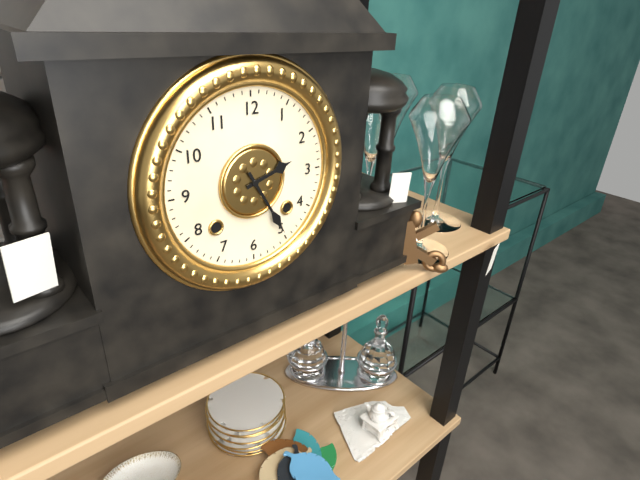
2:25
